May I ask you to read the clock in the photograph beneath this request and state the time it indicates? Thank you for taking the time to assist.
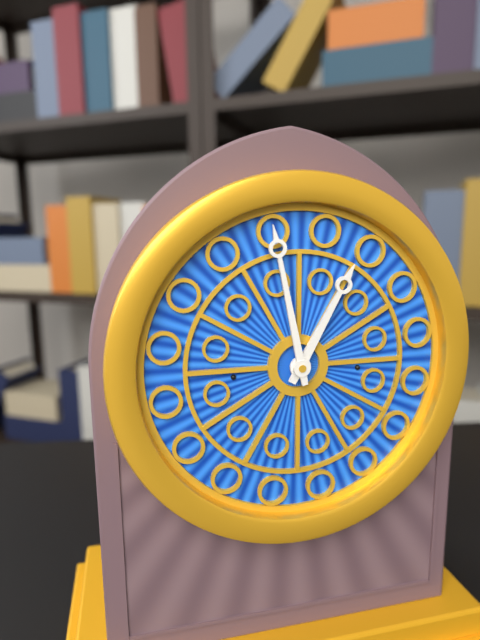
12:58
